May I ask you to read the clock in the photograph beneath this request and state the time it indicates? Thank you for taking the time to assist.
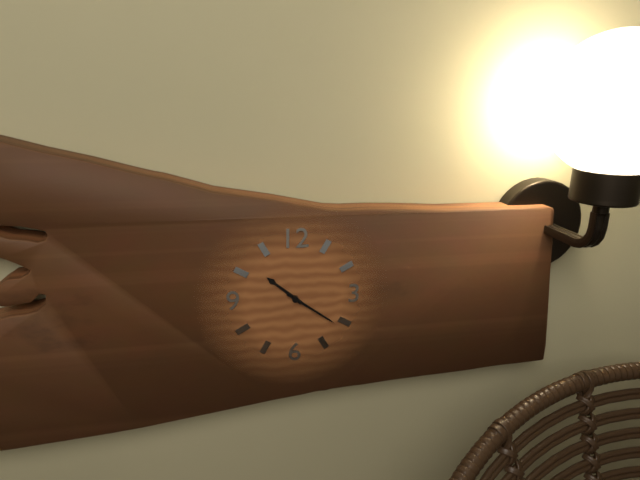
10:21
